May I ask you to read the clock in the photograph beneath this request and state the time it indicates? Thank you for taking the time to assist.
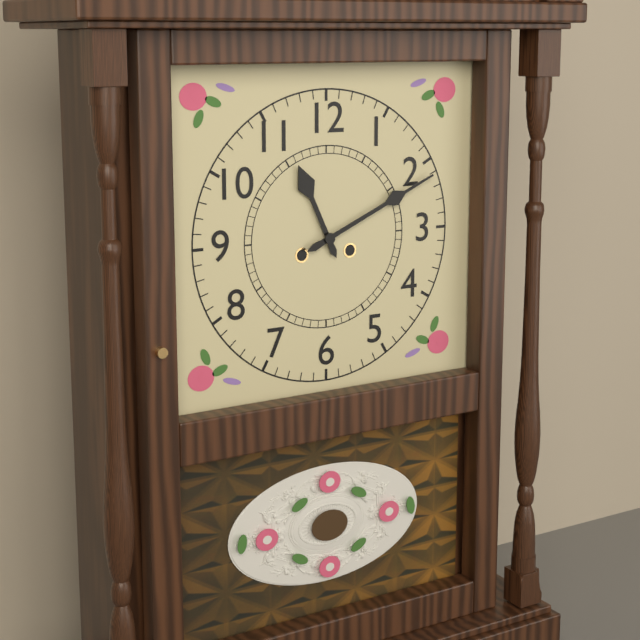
11:11
